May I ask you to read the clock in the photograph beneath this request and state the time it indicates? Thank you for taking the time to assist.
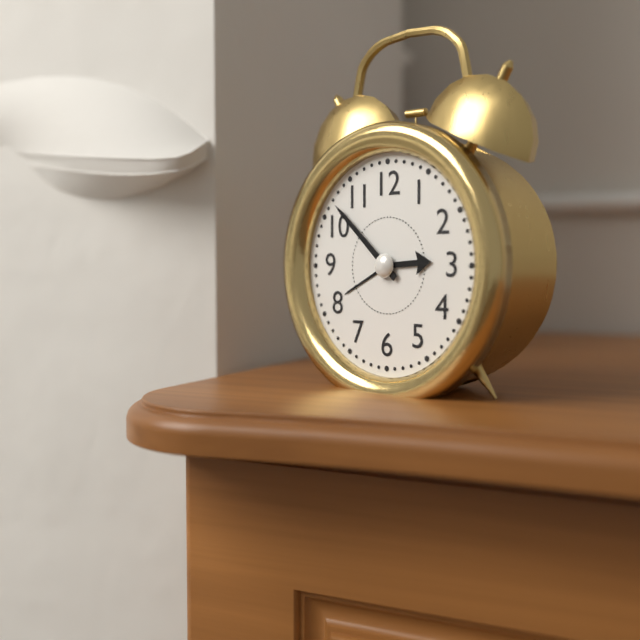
2:52
